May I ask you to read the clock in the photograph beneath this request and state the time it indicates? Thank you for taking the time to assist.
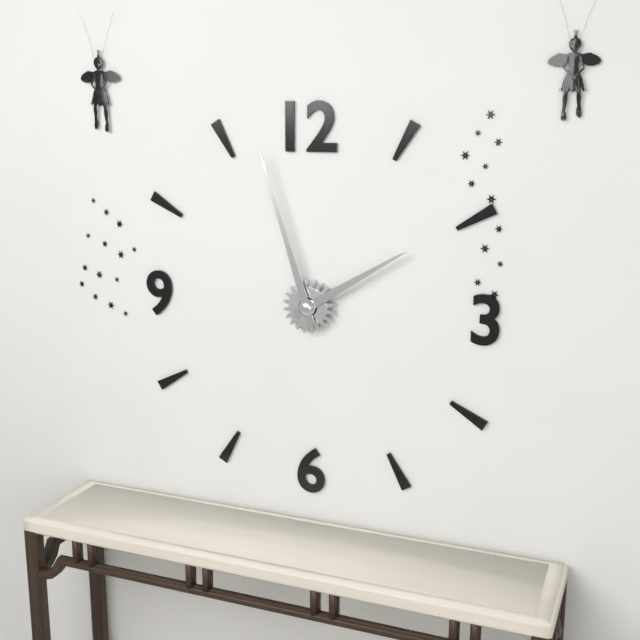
1:57
